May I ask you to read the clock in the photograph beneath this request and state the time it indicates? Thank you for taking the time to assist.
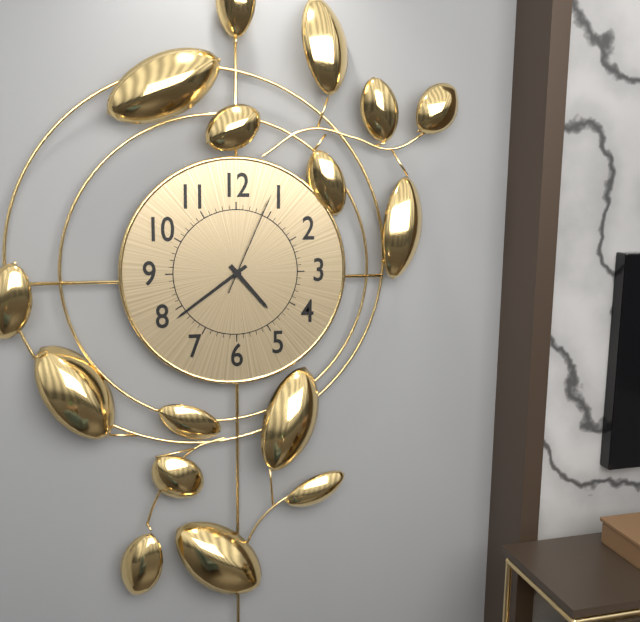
4:39:04
